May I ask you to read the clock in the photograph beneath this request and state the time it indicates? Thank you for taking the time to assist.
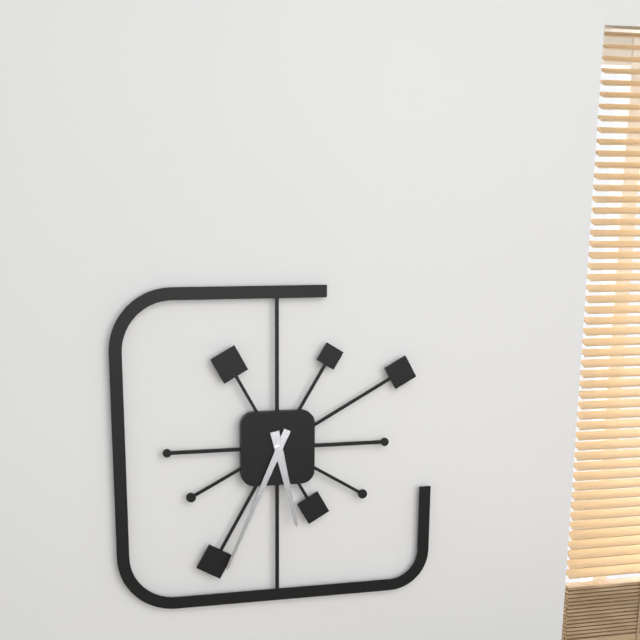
5:34
